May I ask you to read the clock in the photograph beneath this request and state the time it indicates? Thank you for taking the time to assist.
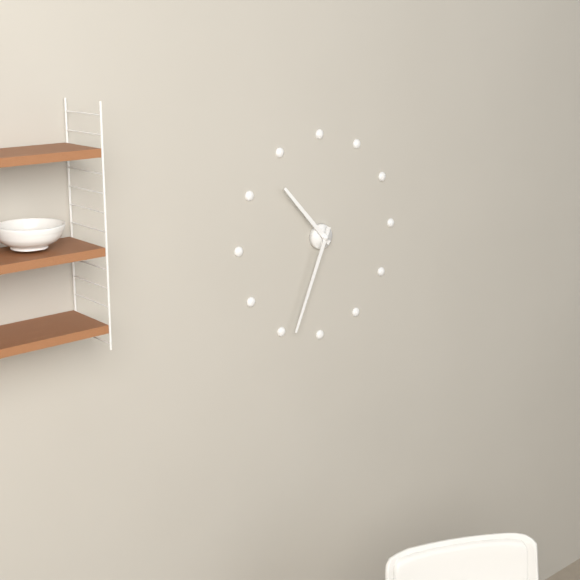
10:34
